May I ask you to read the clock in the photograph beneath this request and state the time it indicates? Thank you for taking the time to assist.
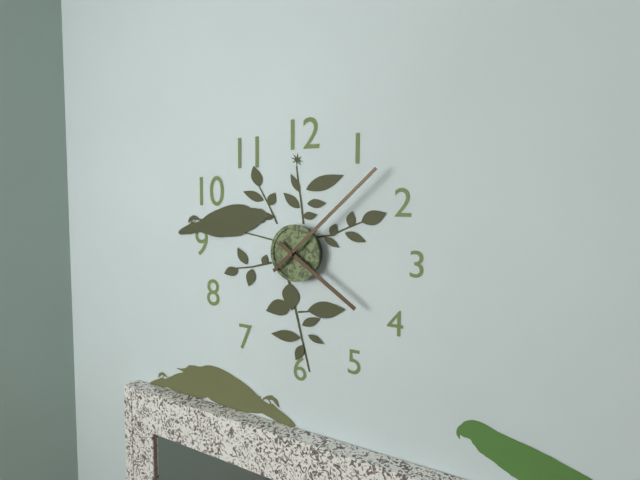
4:08
